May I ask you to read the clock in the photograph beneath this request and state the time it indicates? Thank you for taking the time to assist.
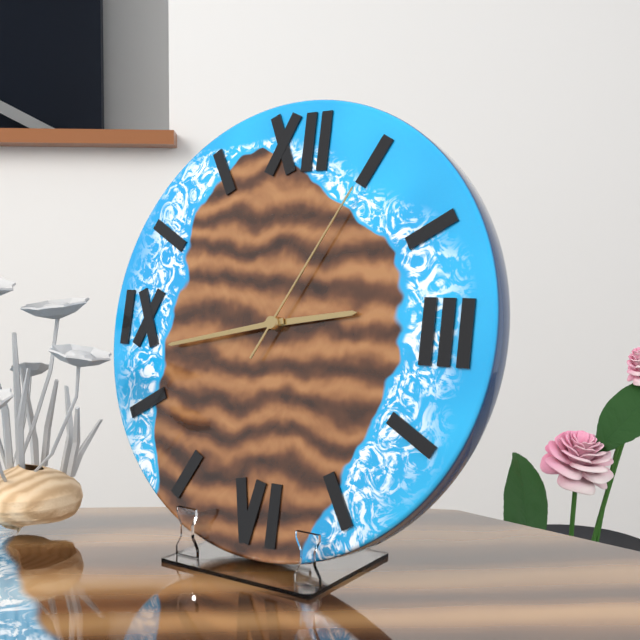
2:43:05
